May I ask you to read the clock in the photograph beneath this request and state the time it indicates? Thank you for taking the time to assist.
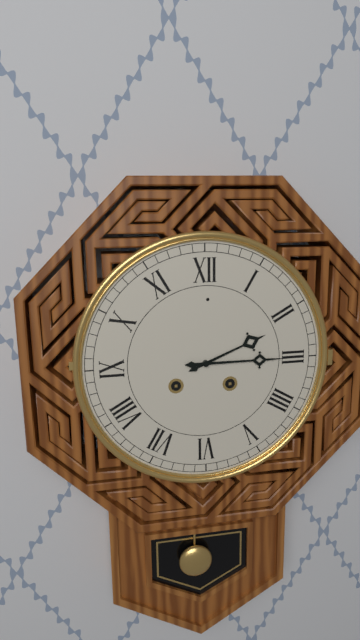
2:15
